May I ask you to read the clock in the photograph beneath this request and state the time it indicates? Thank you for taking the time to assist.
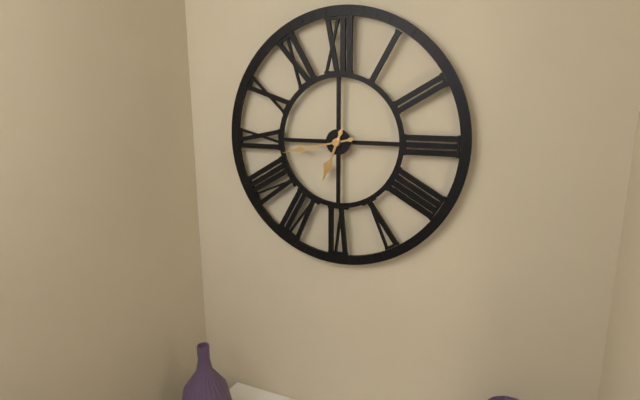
6:43
